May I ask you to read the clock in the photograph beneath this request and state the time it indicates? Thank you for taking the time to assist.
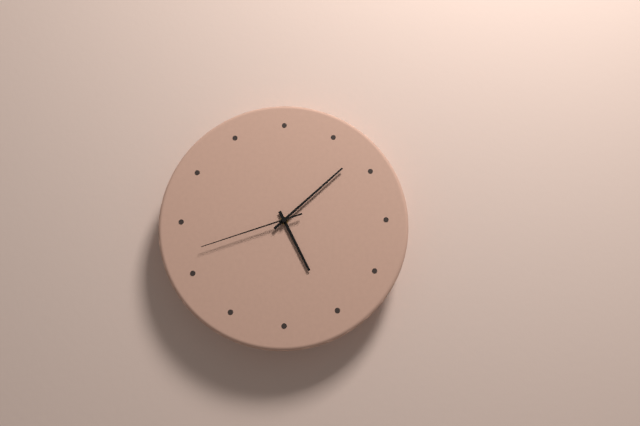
5:08:42
